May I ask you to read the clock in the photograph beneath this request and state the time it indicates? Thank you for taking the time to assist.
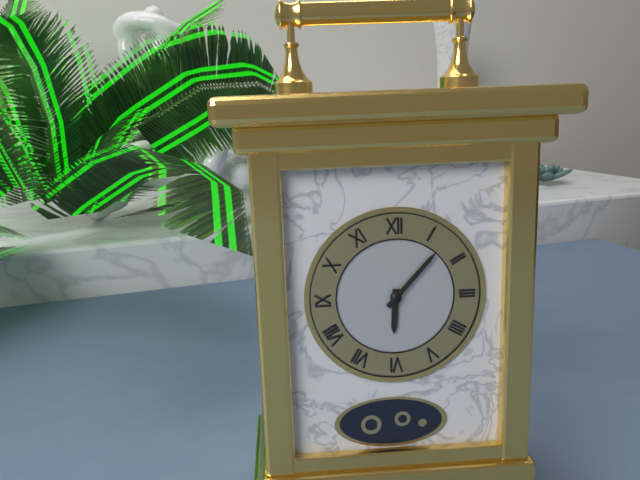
6:07
